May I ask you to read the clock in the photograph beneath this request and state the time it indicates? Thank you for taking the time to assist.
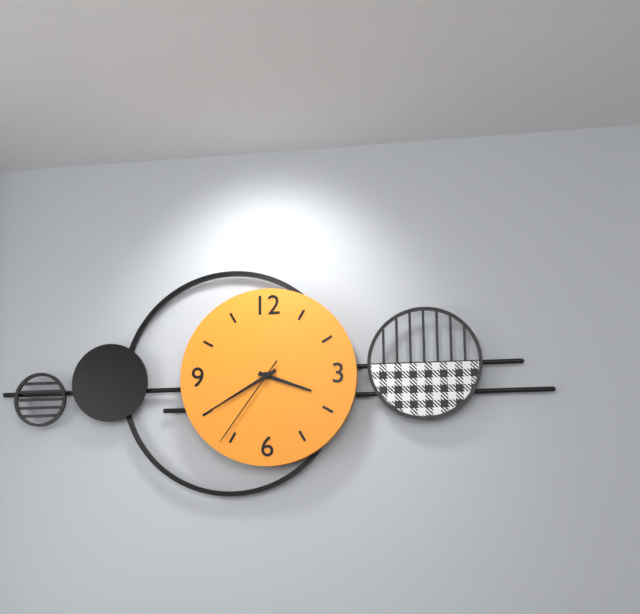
3:40:36
